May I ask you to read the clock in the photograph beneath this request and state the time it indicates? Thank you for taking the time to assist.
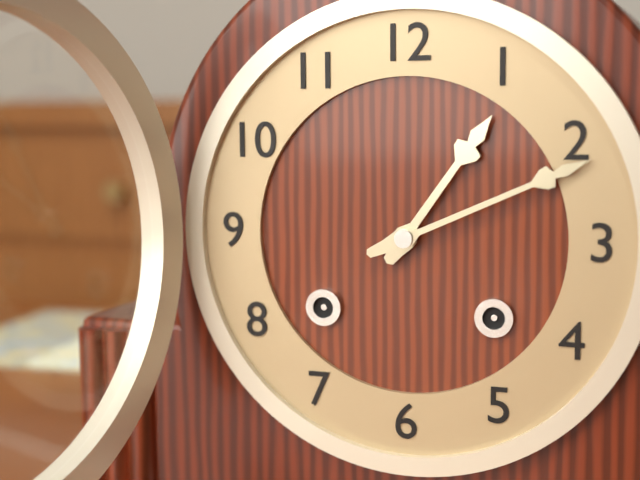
1:11
